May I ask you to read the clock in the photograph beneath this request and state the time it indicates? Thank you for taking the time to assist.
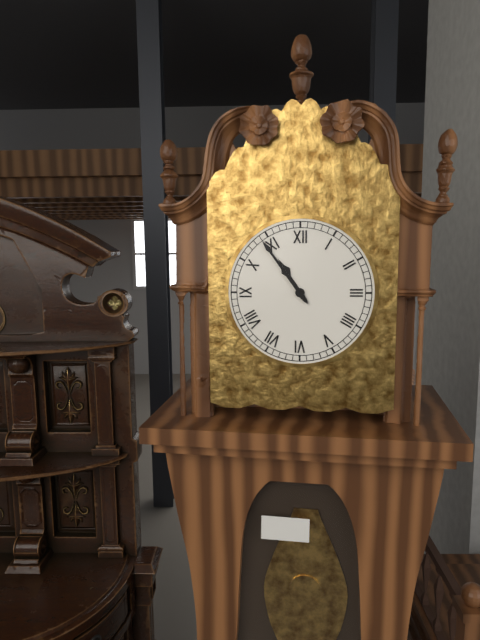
10:54
